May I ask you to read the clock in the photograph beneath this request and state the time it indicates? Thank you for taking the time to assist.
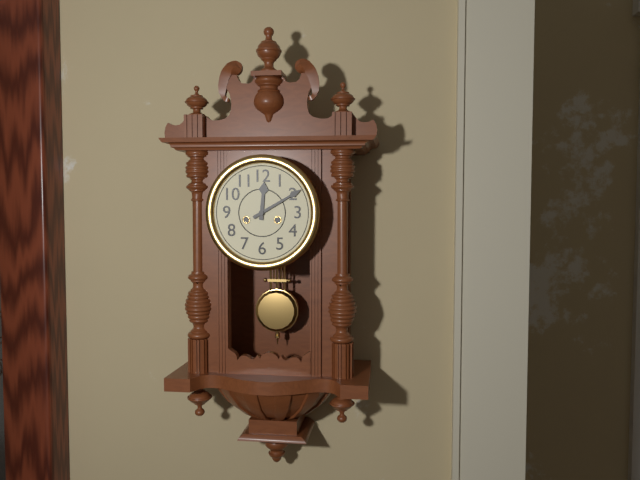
12:10
